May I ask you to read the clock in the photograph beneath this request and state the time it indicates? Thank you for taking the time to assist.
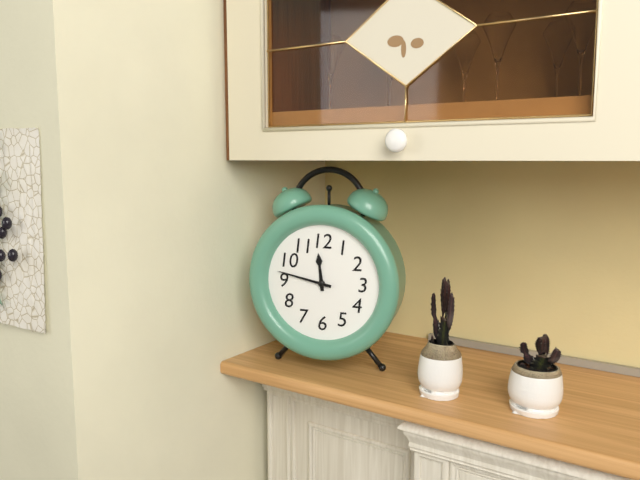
11:47
